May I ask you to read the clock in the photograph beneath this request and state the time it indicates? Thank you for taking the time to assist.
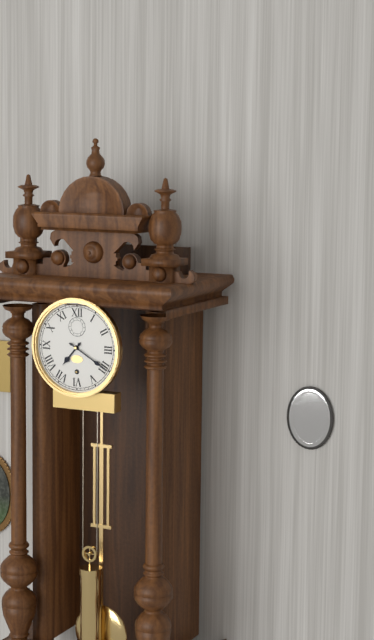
7:20
